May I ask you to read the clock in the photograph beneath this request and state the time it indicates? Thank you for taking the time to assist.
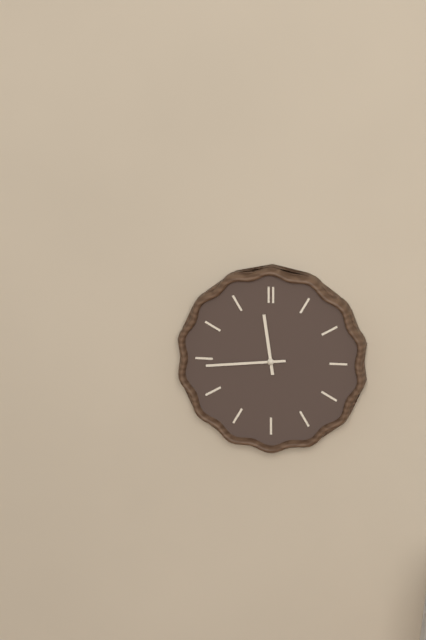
11:44
